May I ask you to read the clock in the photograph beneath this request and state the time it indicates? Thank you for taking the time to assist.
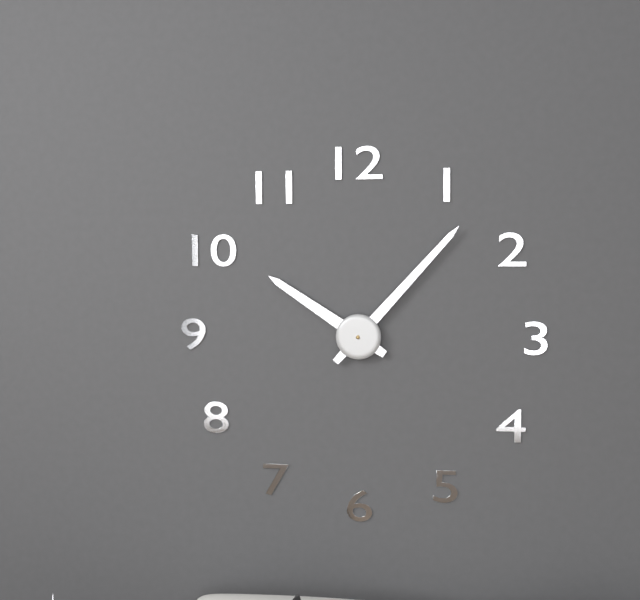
10:07
